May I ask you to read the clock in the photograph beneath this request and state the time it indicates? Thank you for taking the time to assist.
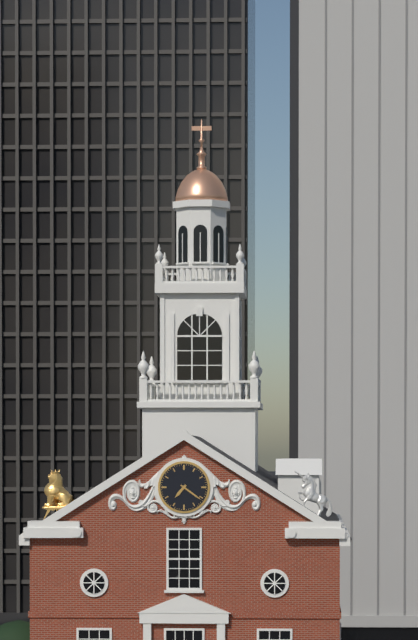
7:21
